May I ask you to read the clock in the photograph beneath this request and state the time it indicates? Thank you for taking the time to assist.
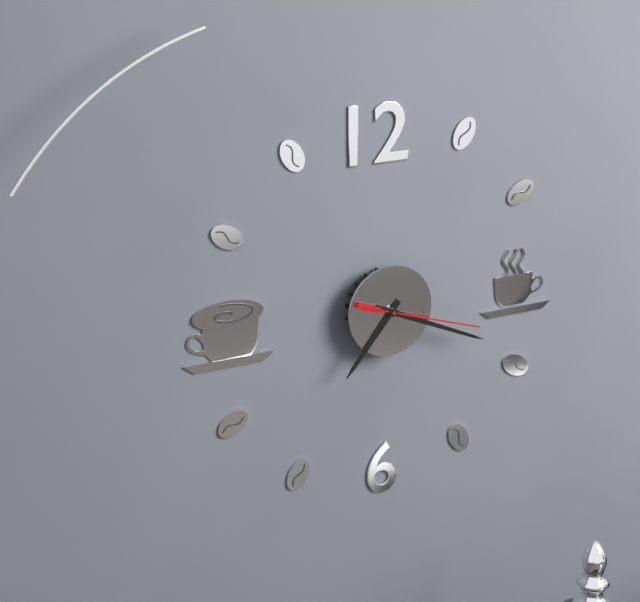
7:19:18
